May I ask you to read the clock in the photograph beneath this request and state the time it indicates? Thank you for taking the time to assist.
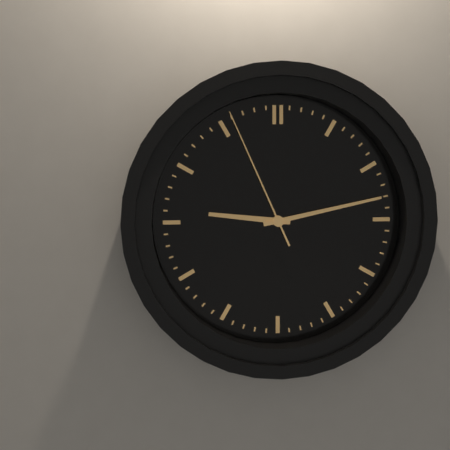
9:13:56
